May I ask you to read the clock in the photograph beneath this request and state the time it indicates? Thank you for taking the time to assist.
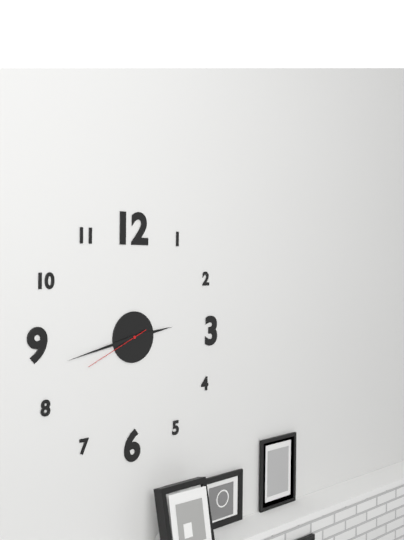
2:43:41
